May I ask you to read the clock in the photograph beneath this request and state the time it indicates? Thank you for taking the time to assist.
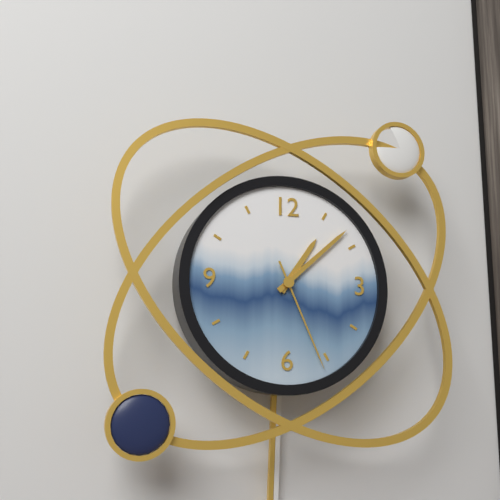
1:08:26
